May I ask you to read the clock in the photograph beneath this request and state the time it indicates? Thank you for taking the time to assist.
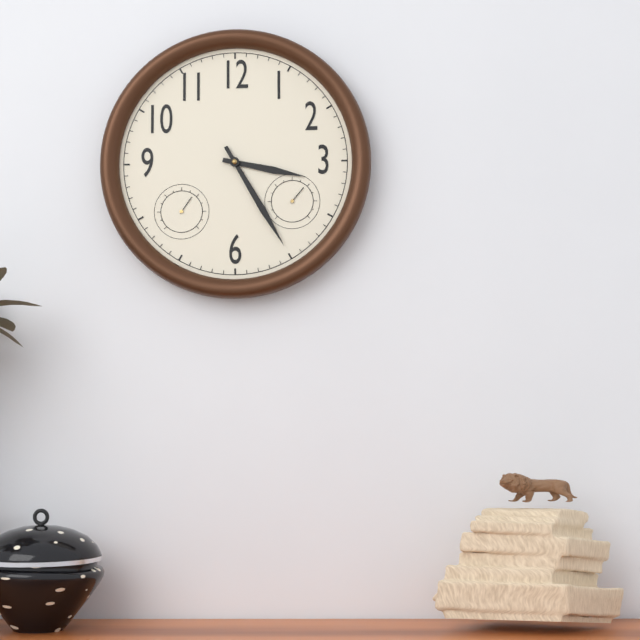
3:25
